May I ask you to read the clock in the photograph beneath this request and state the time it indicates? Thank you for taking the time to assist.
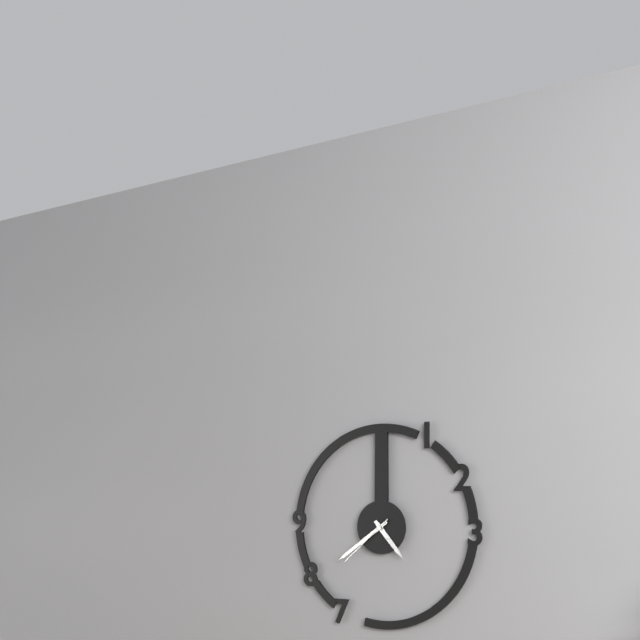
4:39:38
